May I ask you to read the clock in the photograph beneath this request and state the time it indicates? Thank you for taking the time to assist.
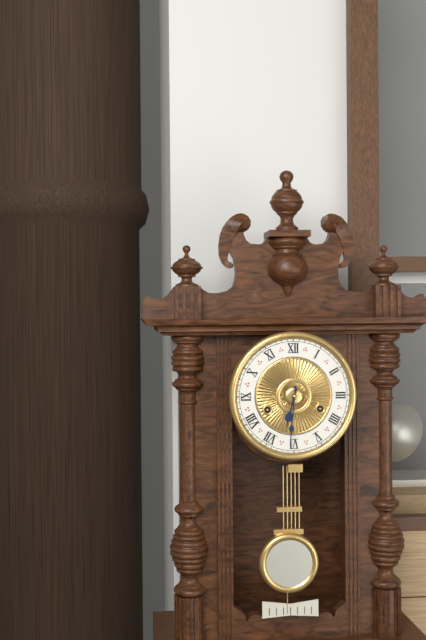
6:31
